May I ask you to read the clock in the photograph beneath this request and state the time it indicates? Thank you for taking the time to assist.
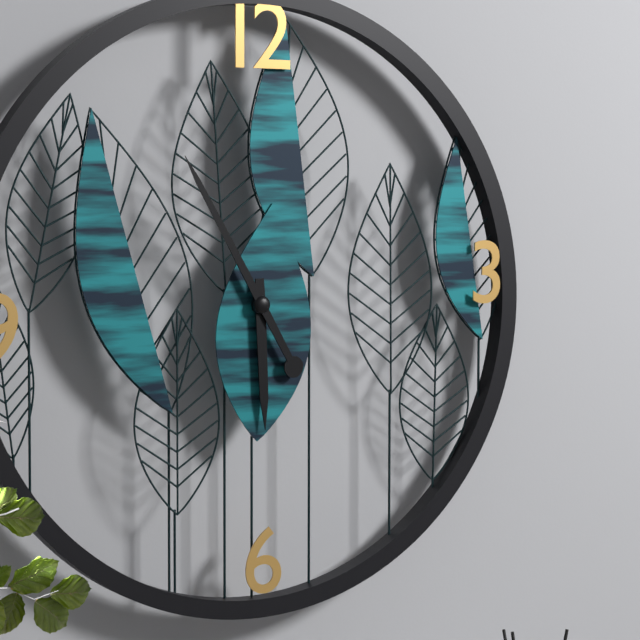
5:55
